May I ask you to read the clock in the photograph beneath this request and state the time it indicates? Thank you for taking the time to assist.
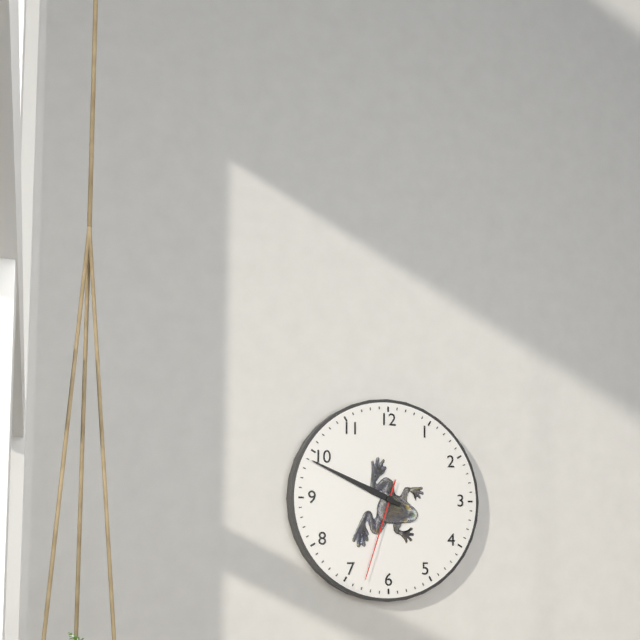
9:49:33
